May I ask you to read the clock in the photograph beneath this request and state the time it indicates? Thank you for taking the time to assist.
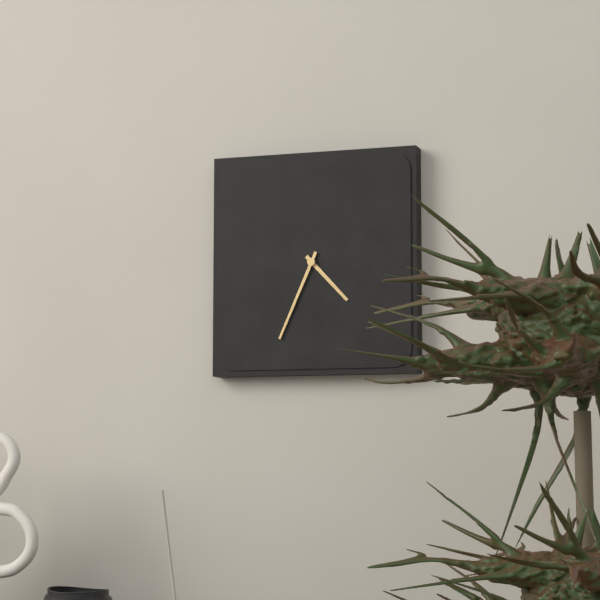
4:34
